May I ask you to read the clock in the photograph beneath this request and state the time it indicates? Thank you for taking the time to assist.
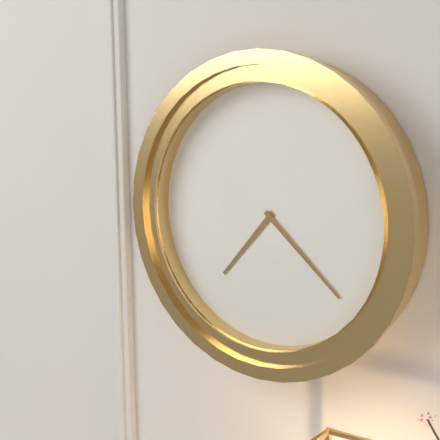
7:22
